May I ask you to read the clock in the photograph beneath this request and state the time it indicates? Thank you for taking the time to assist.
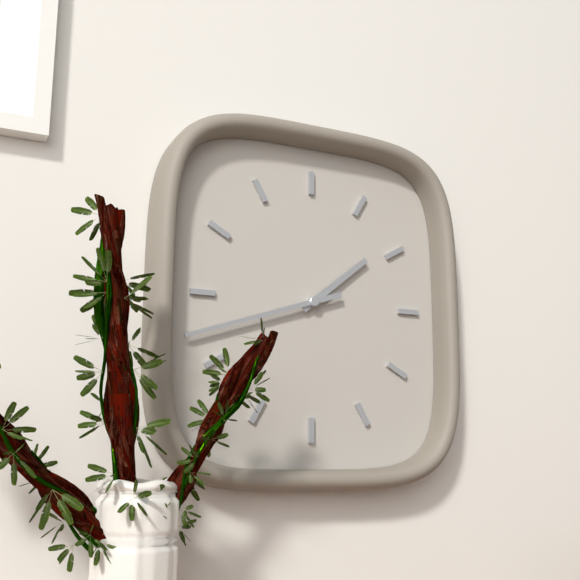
1:42
